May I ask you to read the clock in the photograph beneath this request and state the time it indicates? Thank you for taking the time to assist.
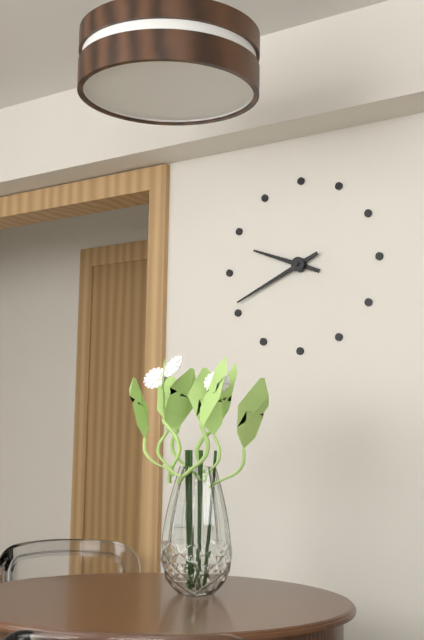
9:41
